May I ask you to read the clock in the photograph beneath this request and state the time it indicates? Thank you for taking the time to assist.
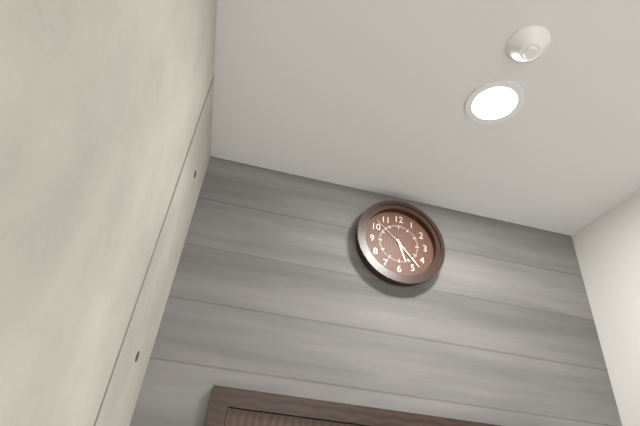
5:23
